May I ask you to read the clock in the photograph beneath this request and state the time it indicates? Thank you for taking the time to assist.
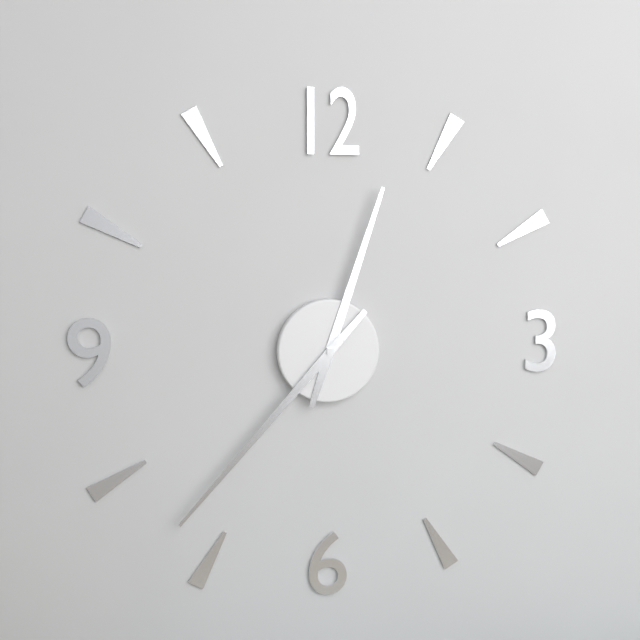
12:37
